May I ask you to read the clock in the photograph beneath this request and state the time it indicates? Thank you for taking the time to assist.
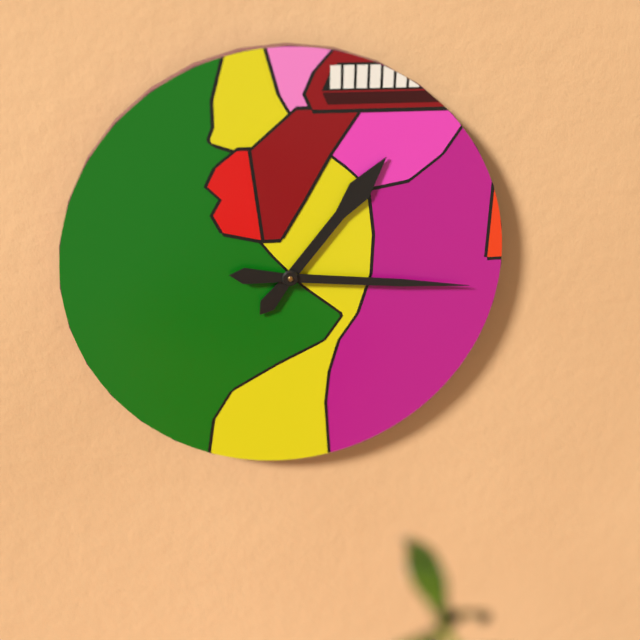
1:16
